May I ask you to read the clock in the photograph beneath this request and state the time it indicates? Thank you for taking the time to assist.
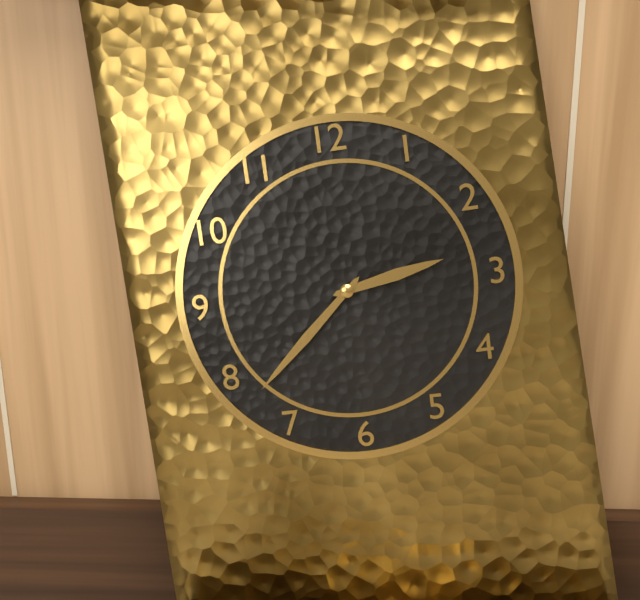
2:38
